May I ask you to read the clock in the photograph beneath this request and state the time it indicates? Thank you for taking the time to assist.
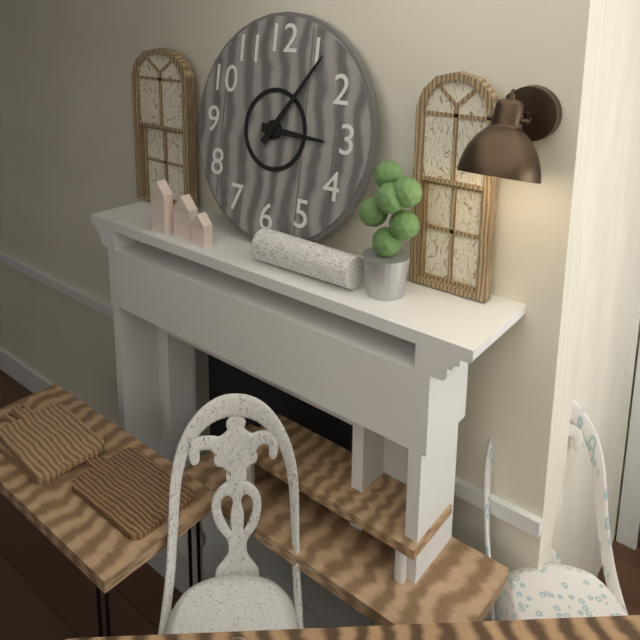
3:06
